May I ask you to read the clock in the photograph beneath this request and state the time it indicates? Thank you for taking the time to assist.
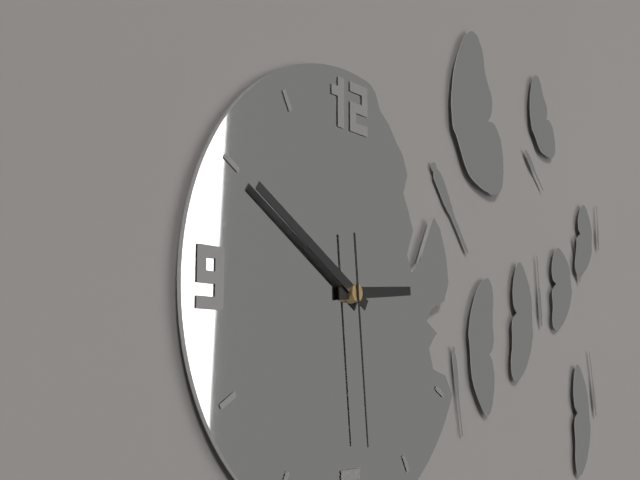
2:50:29
